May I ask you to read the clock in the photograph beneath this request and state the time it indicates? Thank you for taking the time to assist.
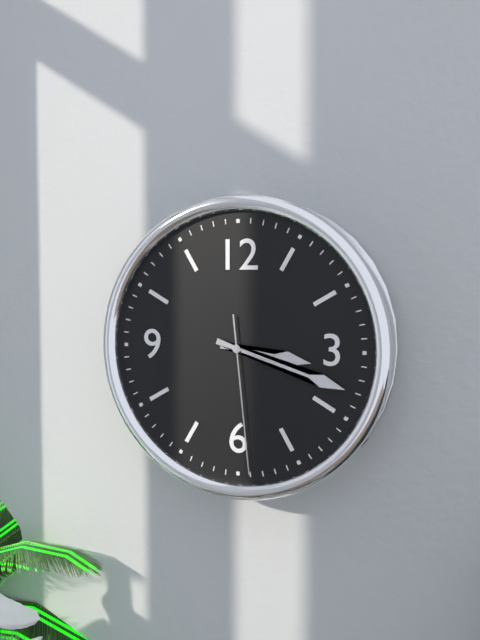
3:18:29
